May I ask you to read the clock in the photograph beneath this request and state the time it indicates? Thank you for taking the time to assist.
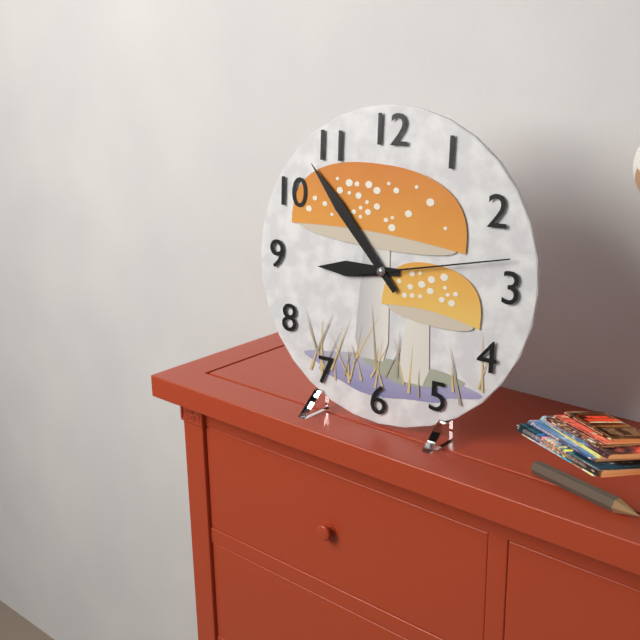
8:53:13
